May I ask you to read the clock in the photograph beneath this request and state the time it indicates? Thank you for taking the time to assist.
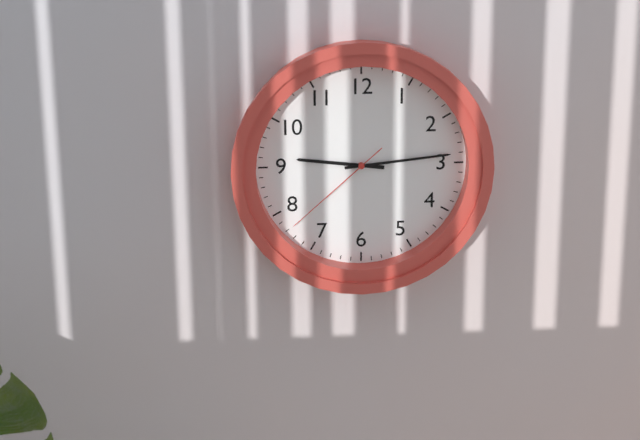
9:14:38
